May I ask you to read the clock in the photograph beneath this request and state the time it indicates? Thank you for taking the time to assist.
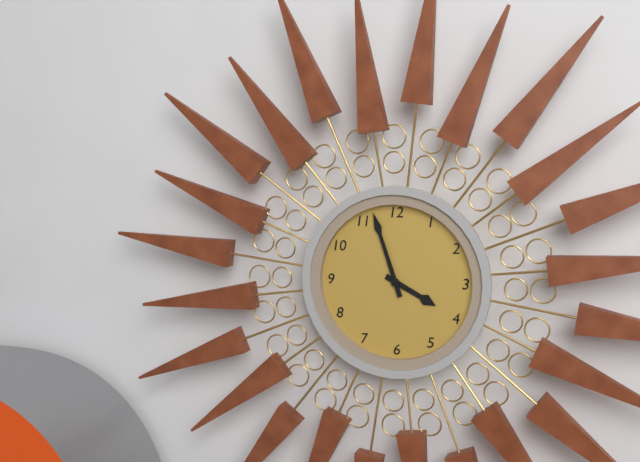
3:57
